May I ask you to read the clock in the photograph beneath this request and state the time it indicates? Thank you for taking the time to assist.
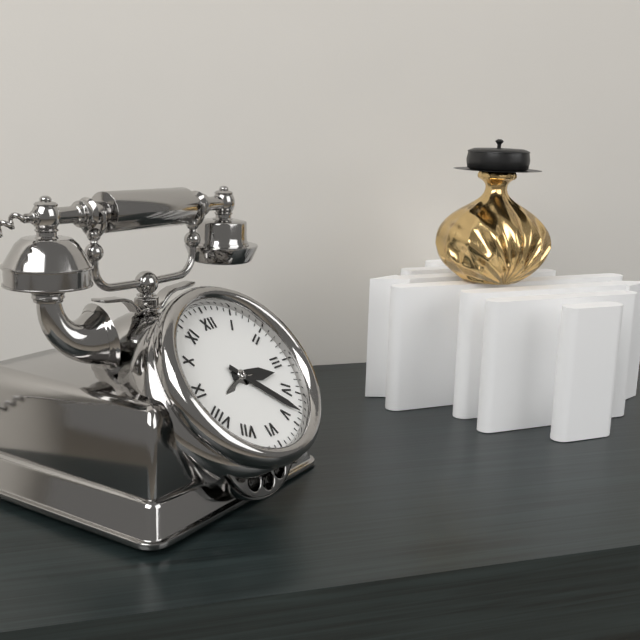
3:23
